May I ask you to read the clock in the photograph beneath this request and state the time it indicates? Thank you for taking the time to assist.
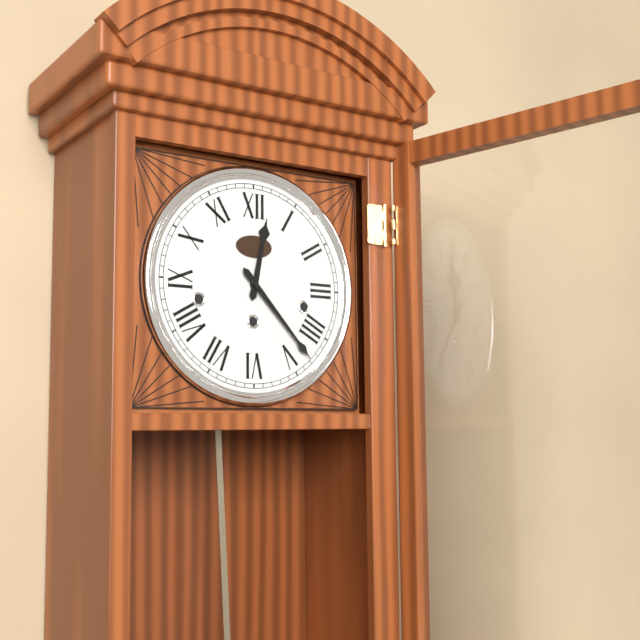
12:23
